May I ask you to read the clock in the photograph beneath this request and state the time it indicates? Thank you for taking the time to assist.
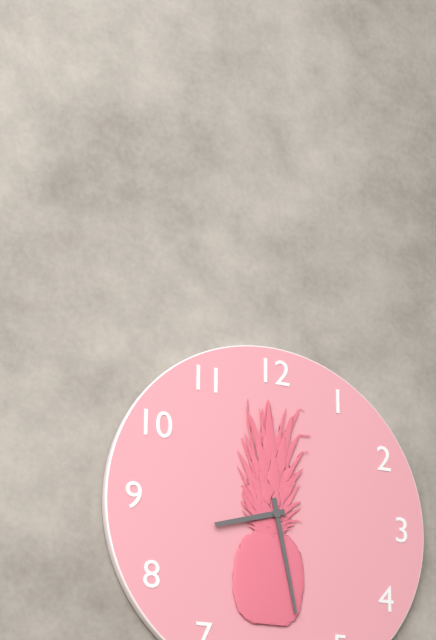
8:28
